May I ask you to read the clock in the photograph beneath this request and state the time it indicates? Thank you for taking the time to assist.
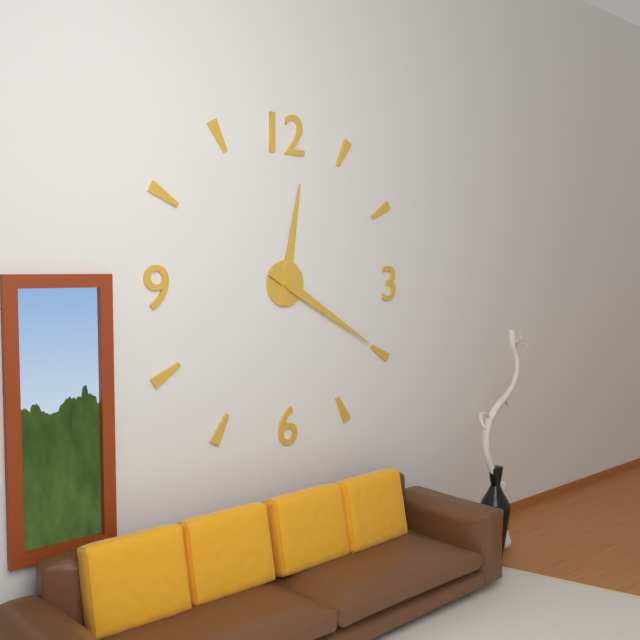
12:20
